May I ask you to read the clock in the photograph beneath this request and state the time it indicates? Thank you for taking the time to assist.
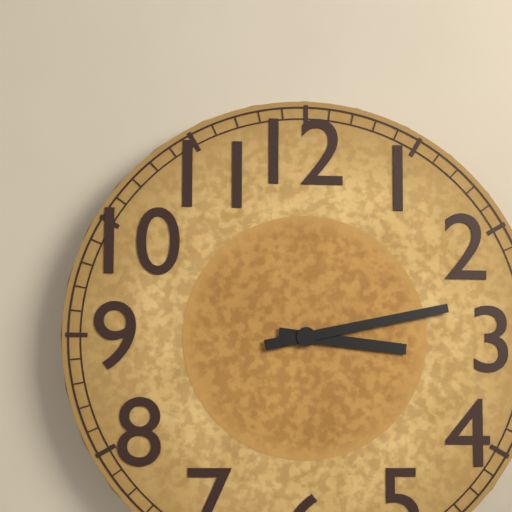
3:13
